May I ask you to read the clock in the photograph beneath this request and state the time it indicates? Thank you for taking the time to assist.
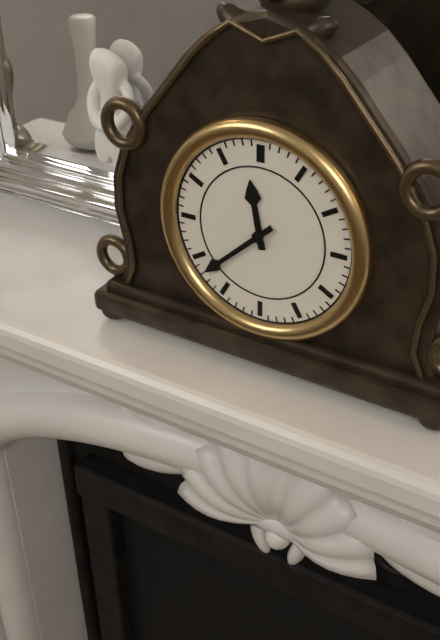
11:38
